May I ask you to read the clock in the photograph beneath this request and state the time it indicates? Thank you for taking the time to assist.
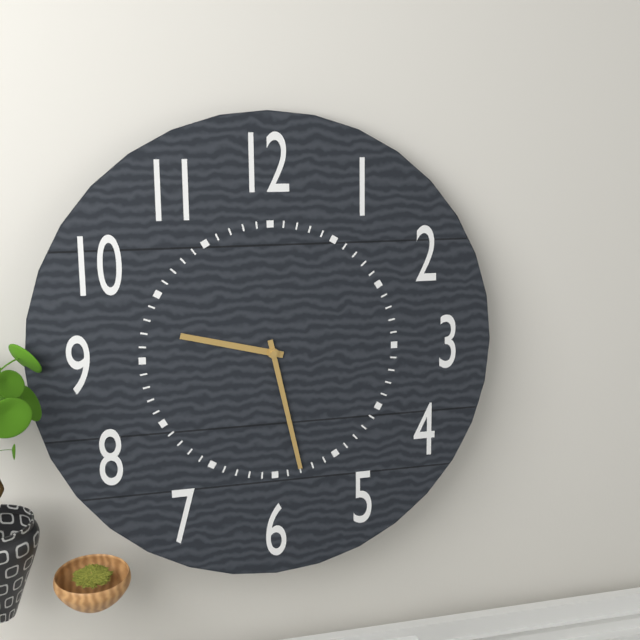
9:28
